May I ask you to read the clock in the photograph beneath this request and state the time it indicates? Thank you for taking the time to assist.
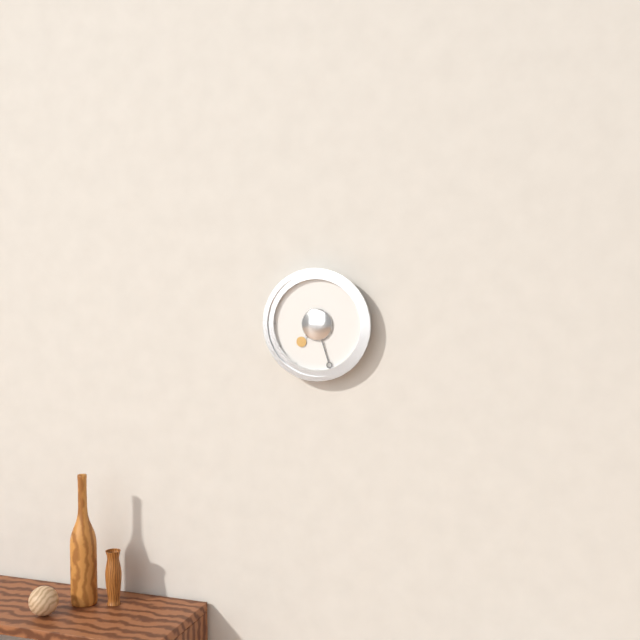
7:27
